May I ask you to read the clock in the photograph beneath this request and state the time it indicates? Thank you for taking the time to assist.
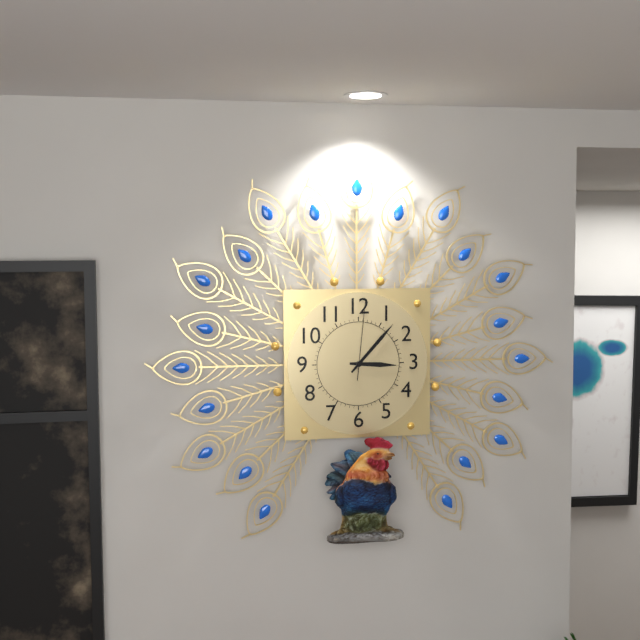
3:07:01
